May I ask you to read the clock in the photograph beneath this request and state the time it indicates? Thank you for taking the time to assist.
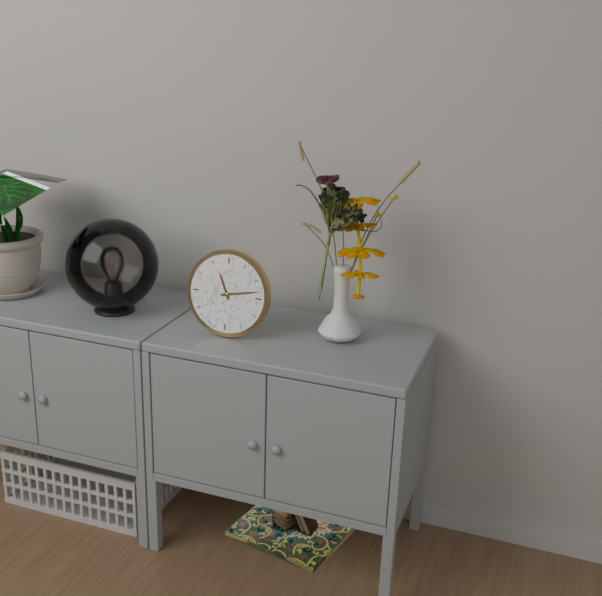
11:13
